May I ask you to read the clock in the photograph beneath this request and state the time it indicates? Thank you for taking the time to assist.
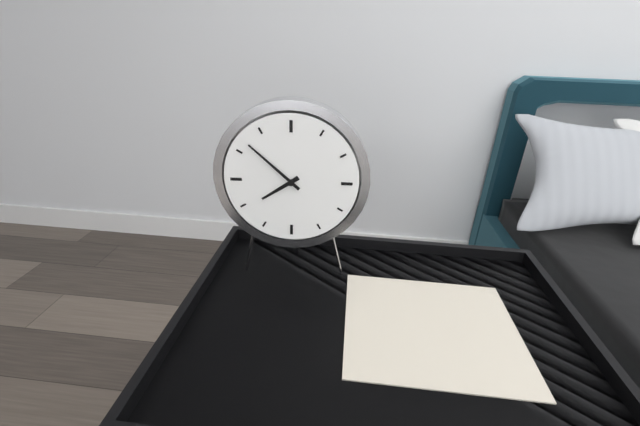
7:52
